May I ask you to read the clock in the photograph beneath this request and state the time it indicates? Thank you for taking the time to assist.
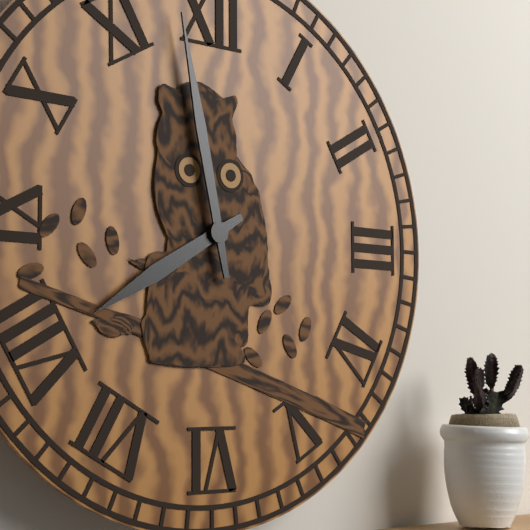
7:58
